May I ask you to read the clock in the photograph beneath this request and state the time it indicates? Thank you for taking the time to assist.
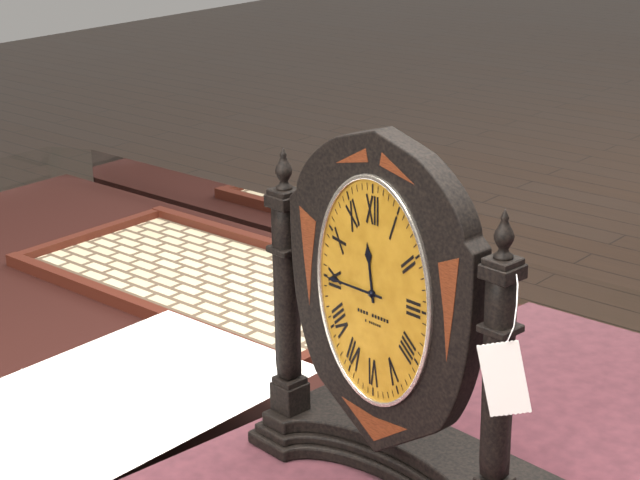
11:45
